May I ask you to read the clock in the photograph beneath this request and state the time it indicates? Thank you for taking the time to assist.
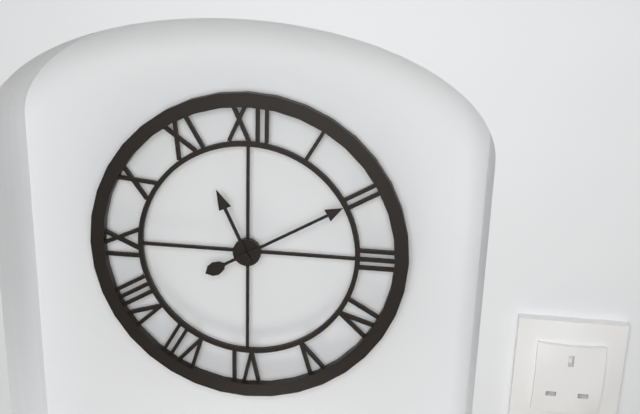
11:10
